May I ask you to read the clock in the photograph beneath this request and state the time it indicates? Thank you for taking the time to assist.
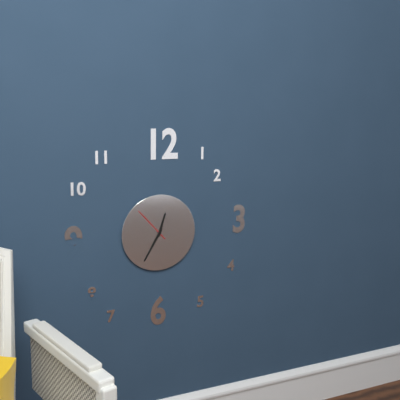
12:35
